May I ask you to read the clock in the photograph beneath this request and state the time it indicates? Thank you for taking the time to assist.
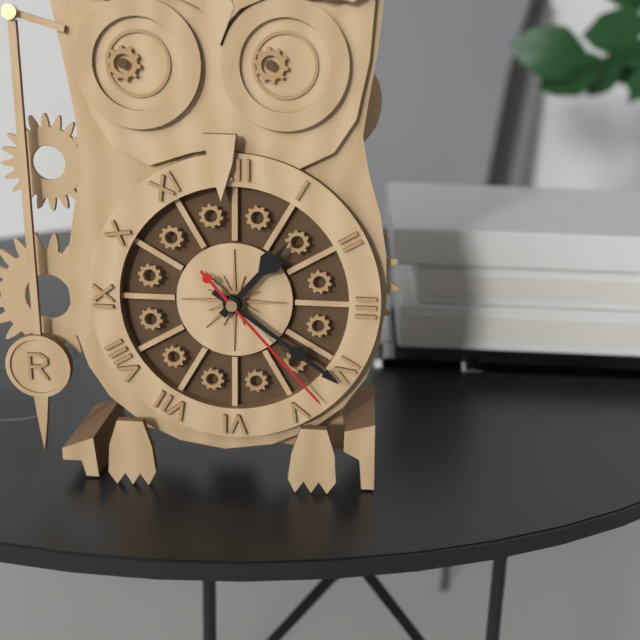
1:21:23
